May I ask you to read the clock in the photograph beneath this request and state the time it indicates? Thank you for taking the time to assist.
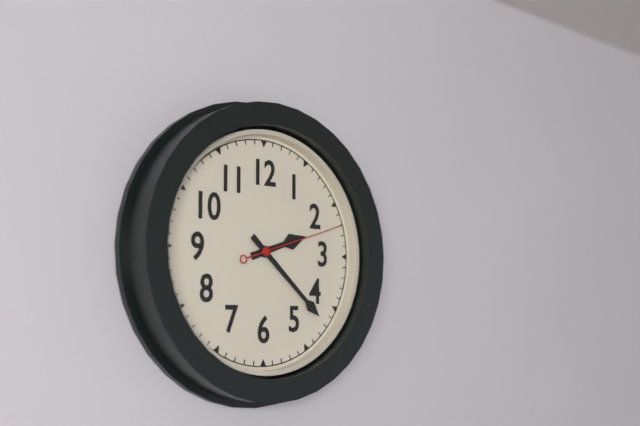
2:22:12
